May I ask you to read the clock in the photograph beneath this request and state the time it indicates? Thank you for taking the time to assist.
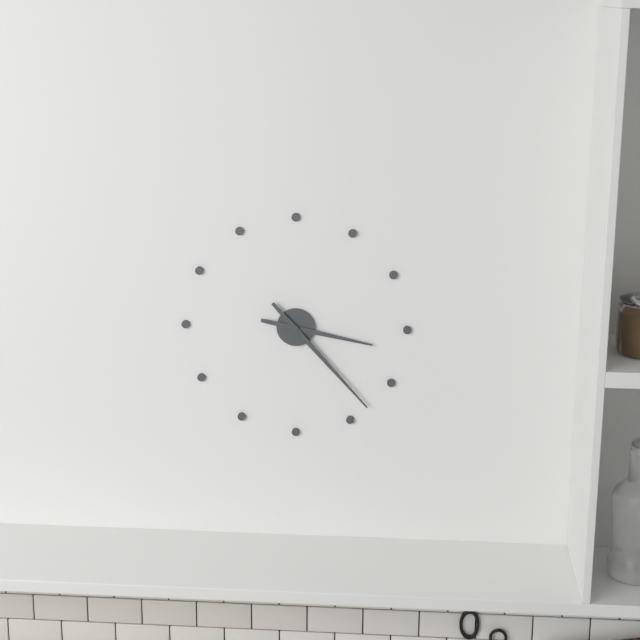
3:23
